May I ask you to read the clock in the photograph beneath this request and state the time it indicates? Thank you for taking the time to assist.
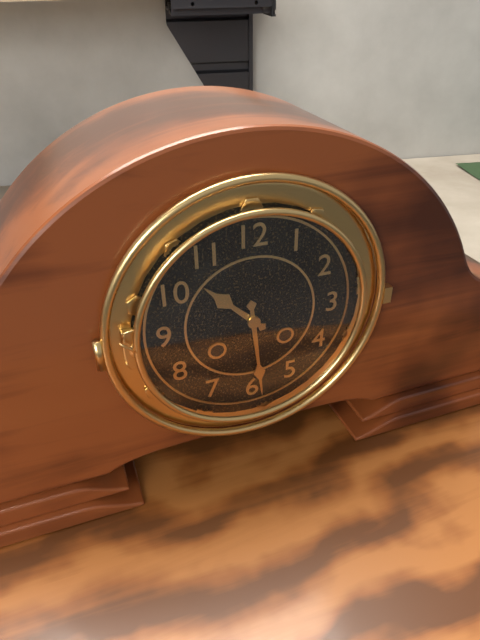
10:29
